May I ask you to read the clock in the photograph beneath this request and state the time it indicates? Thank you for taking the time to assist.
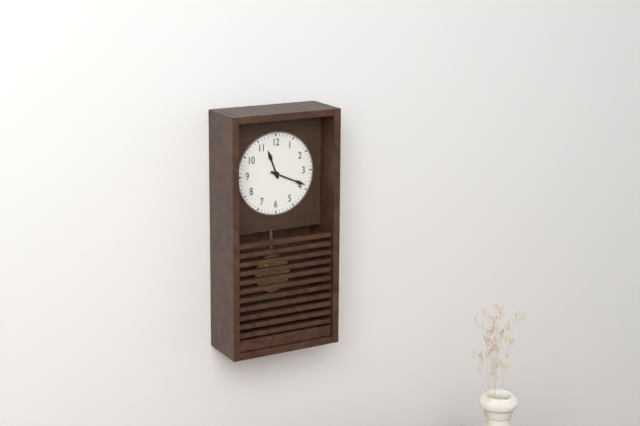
11:19
